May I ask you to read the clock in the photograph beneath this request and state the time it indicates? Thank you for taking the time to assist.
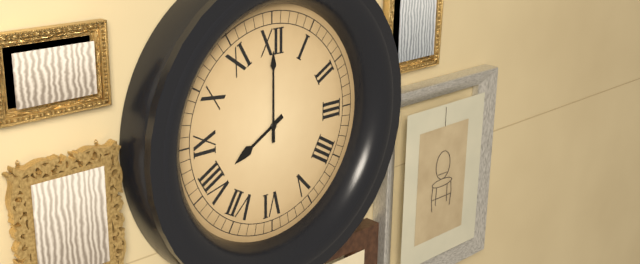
8:00
